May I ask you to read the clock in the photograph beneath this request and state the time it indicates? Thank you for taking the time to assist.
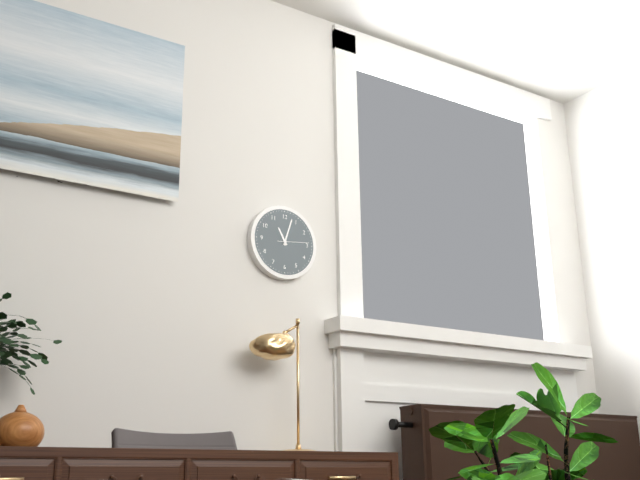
11:03
